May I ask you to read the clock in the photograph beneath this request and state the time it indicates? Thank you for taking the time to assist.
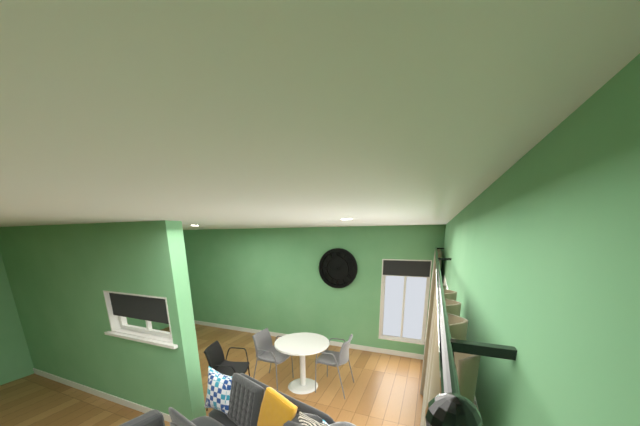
9:08
